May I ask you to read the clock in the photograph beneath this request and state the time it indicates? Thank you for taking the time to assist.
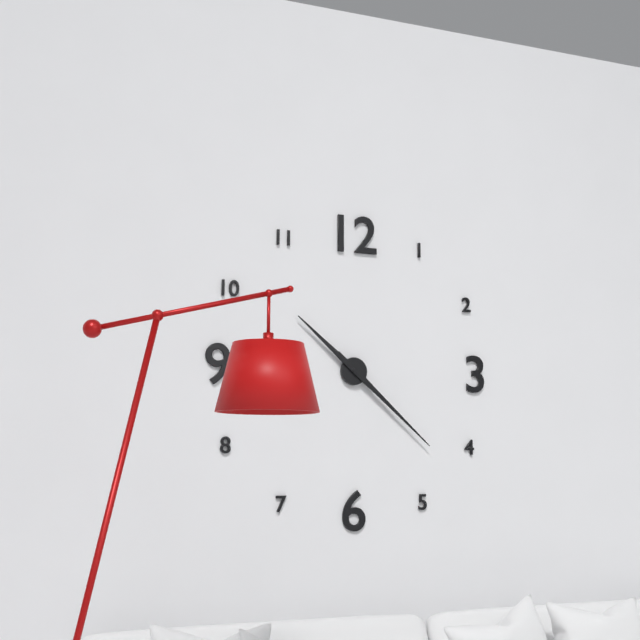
10:22
